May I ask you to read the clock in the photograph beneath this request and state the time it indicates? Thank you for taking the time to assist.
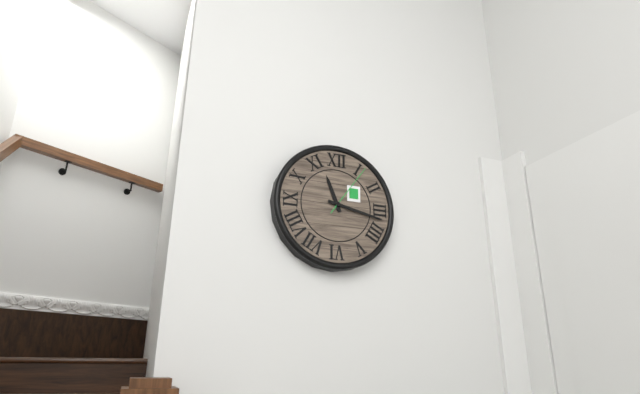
11:17:06
